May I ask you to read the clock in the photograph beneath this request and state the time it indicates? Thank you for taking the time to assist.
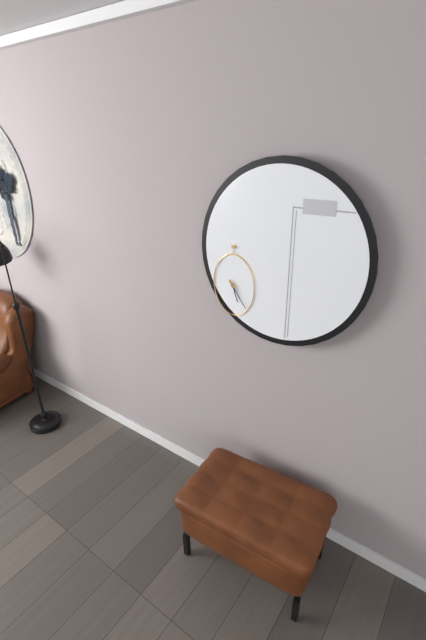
5:24
